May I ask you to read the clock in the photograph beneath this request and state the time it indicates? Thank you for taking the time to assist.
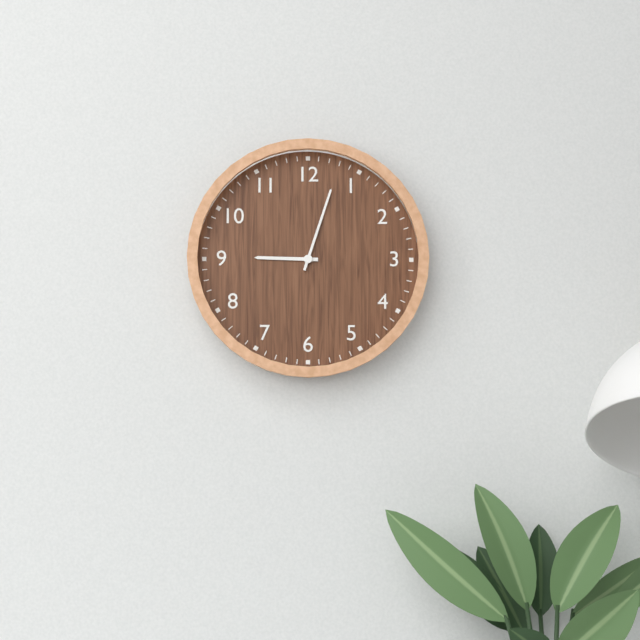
9:03
